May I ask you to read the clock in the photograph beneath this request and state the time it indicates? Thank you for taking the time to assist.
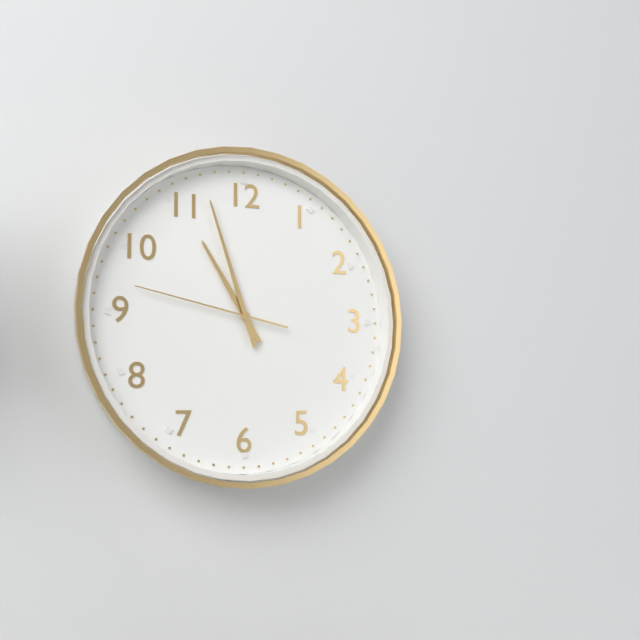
10:57:47
